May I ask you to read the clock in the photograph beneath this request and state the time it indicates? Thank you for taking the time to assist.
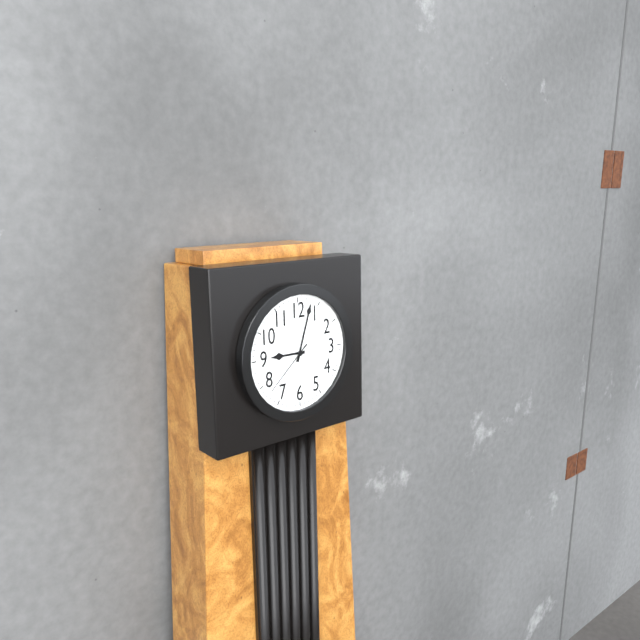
9:03:38
